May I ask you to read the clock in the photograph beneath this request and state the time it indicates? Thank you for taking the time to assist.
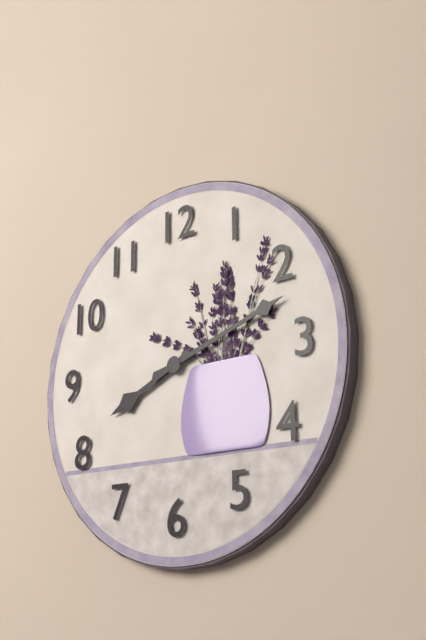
8:12
